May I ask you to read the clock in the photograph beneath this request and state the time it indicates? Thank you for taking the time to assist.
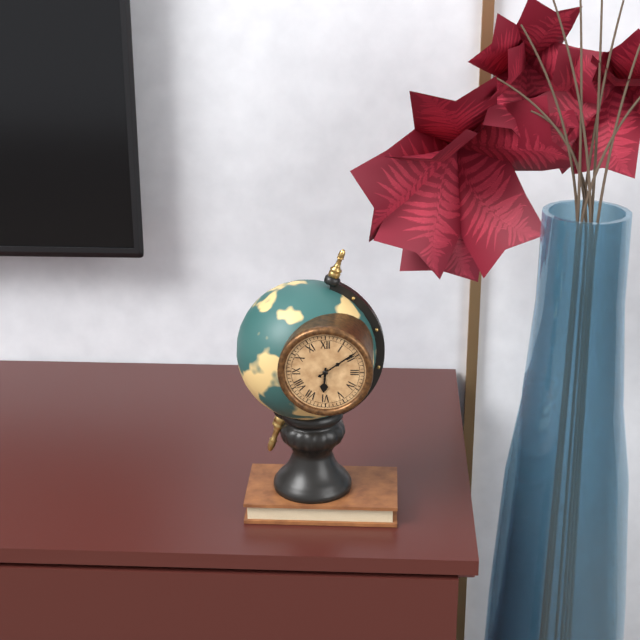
6:09
